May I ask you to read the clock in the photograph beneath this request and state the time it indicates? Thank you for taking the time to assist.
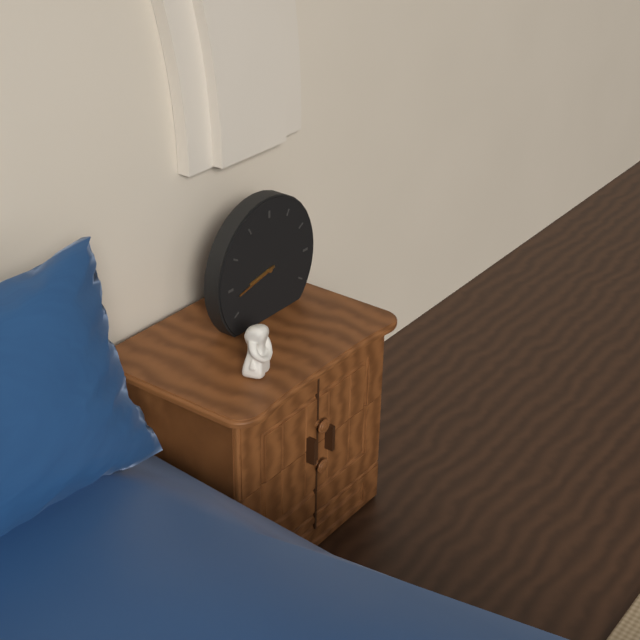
8:43
